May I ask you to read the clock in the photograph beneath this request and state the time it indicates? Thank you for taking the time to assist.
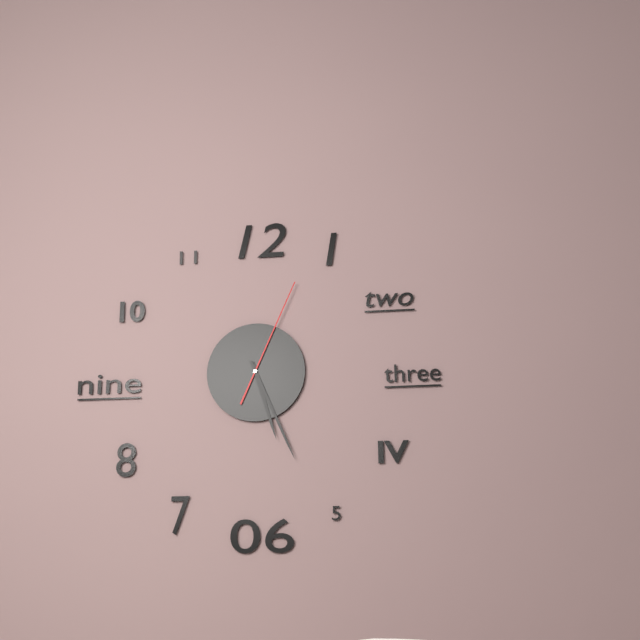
5:26:04
